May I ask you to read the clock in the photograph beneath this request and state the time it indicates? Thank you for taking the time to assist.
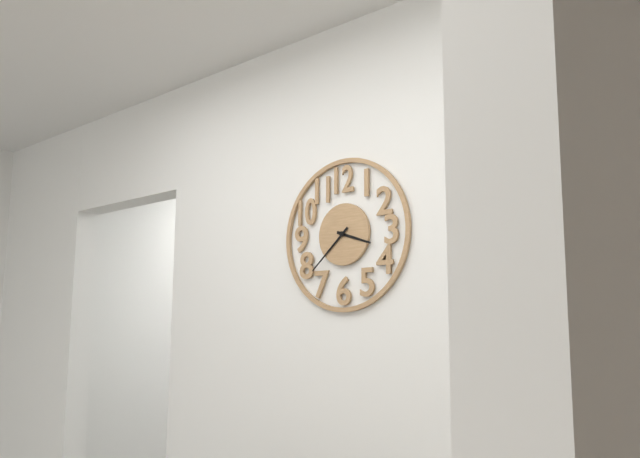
3:38
